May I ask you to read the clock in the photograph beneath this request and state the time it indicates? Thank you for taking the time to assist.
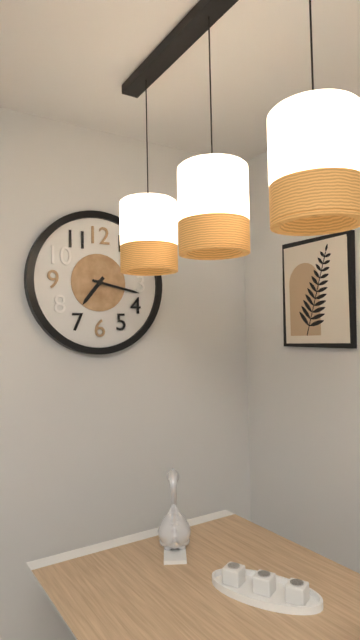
7:17
